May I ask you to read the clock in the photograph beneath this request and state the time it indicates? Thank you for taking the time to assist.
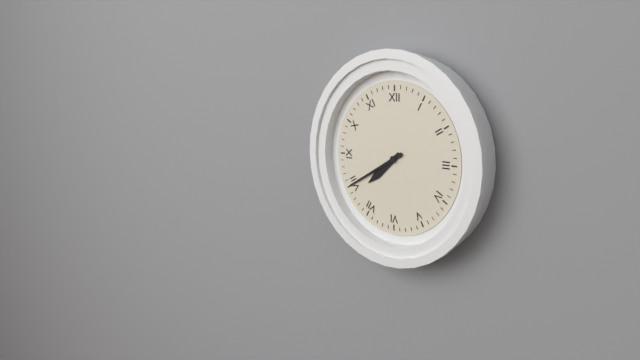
7:40
